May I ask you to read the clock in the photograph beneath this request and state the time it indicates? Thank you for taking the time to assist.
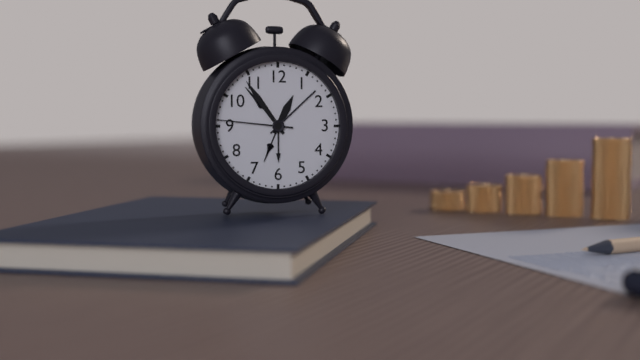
12:54:46
